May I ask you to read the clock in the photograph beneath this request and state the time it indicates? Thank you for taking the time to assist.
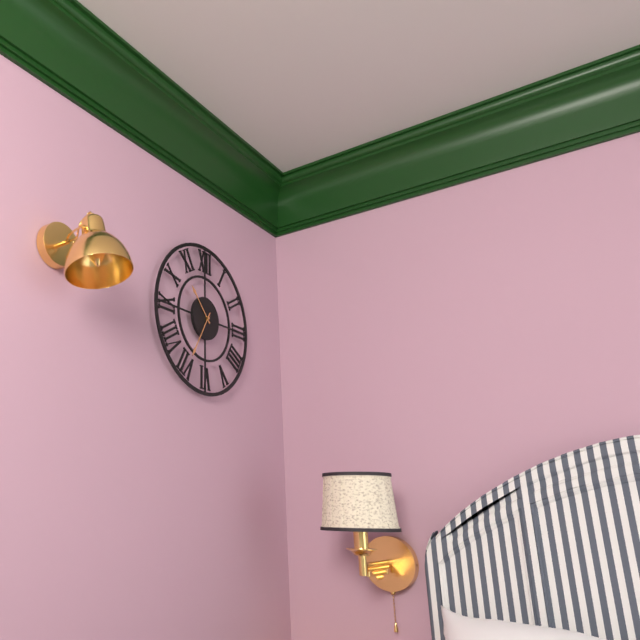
10:35
